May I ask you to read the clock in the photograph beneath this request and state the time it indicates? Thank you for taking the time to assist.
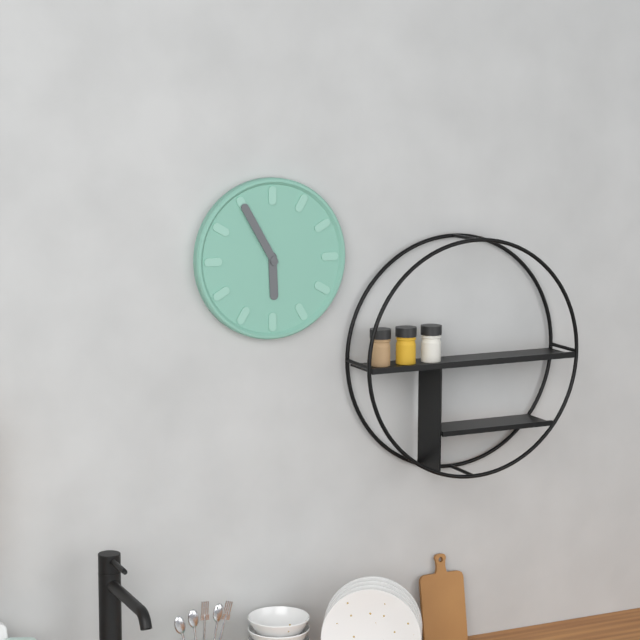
5:55
